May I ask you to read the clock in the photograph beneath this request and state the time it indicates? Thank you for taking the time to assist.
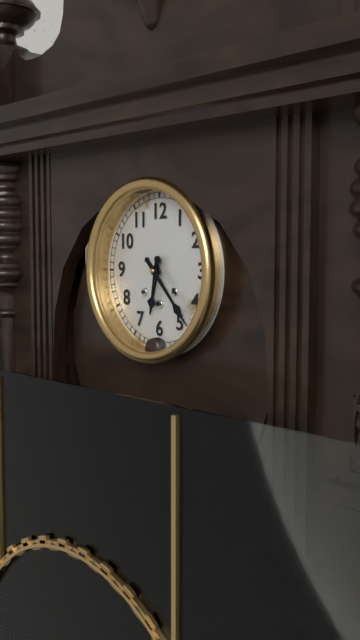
6:23
